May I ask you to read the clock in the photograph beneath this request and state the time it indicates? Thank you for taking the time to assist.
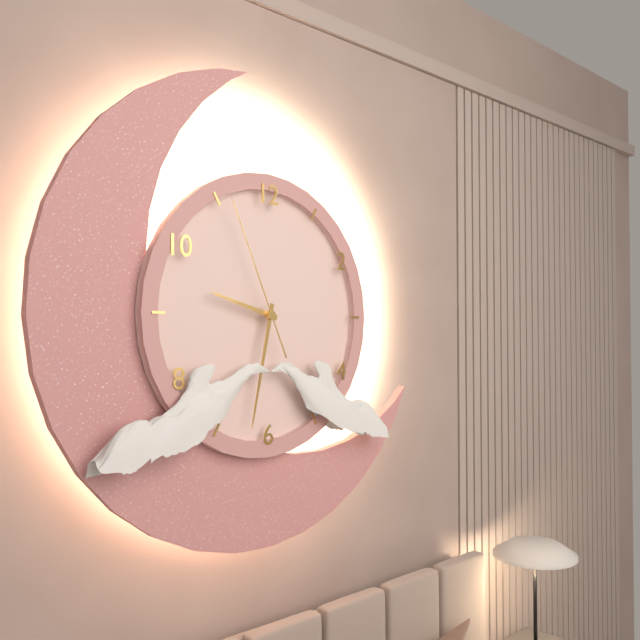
9:32:56
